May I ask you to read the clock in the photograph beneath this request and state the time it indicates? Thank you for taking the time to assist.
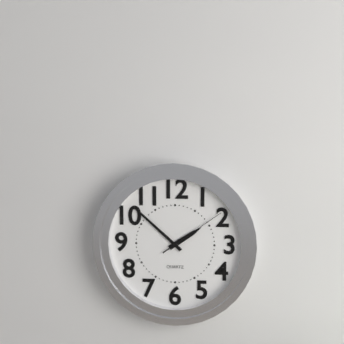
1:52:09
